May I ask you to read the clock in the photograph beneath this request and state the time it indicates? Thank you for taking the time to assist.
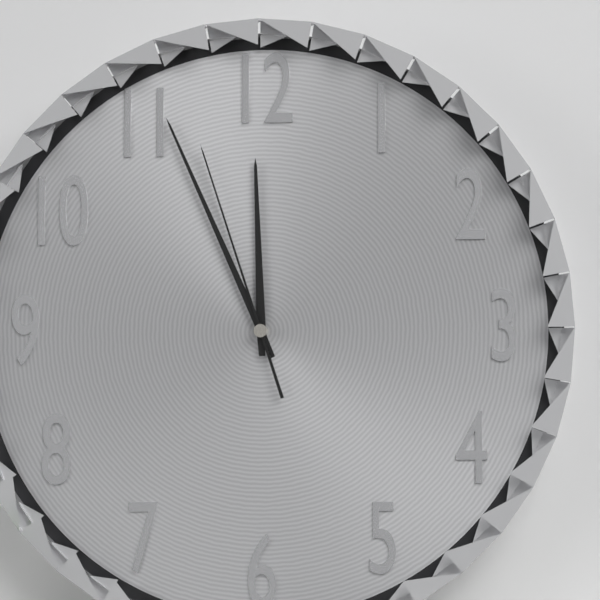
11:56:57
